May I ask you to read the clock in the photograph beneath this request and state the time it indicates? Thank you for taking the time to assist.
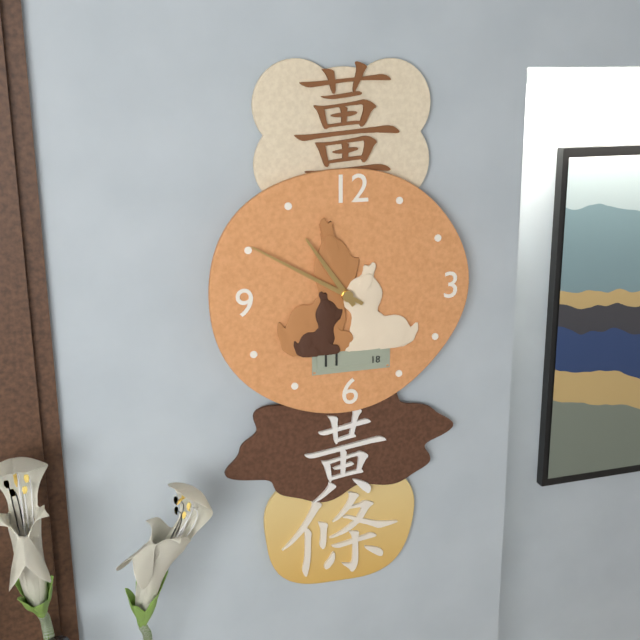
10:50
